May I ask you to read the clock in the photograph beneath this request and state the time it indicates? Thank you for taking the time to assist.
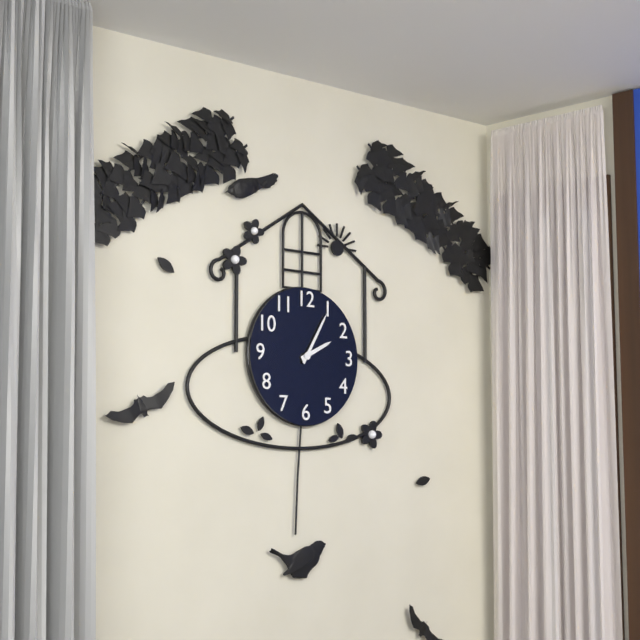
2:05
